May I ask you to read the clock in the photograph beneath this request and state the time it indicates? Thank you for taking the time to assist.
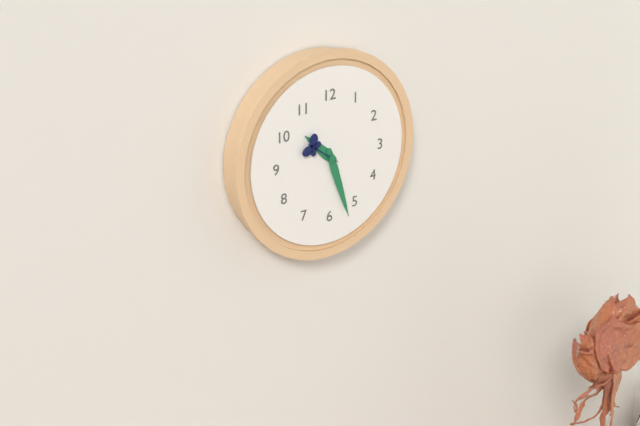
10:27
